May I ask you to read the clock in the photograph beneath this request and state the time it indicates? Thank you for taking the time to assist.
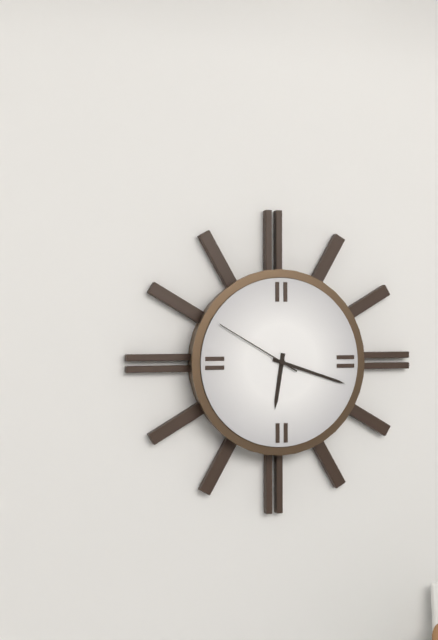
6:18:50
